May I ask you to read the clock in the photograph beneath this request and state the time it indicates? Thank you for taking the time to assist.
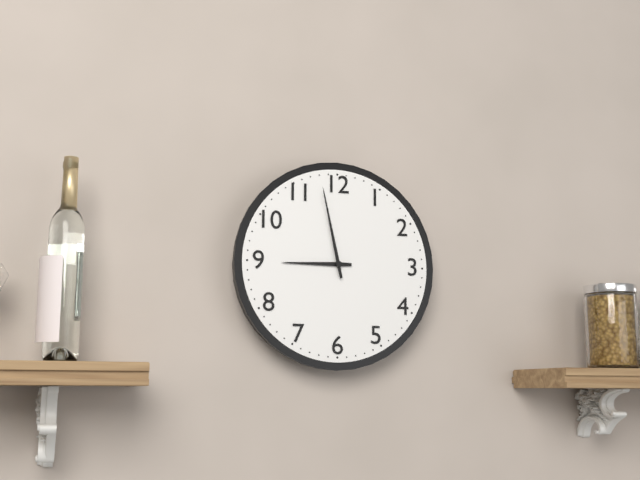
8:58
